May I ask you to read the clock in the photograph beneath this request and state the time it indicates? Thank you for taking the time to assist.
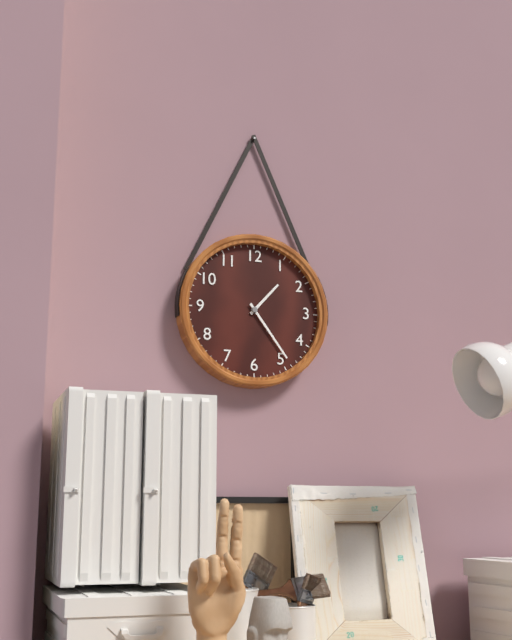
1:24
